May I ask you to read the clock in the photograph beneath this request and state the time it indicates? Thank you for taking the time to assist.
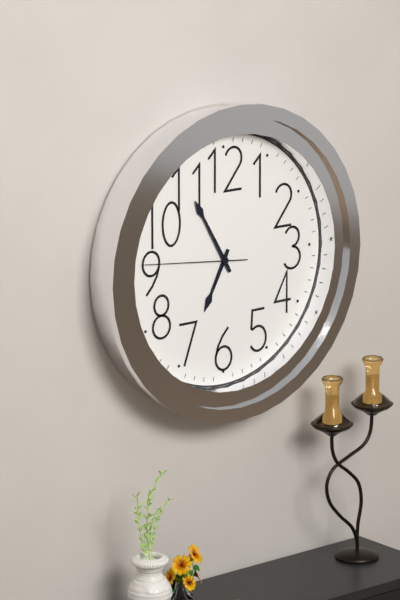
6:55:46
